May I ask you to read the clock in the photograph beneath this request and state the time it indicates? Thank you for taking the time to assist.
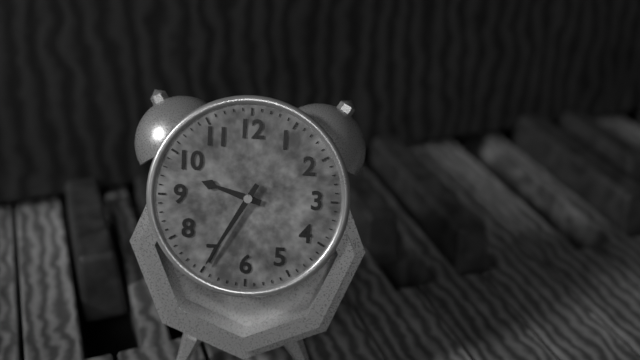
9:35
